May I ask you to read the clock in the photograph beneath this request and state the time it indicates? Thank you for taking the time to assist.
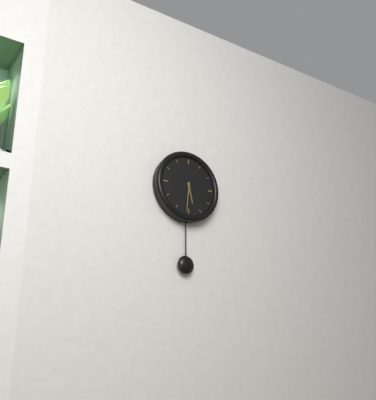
5:31
